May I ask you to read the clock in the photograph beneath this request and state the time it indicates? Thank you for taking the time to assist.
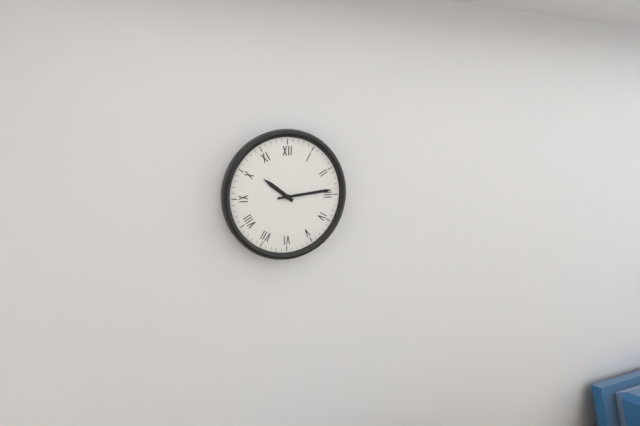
10:14
